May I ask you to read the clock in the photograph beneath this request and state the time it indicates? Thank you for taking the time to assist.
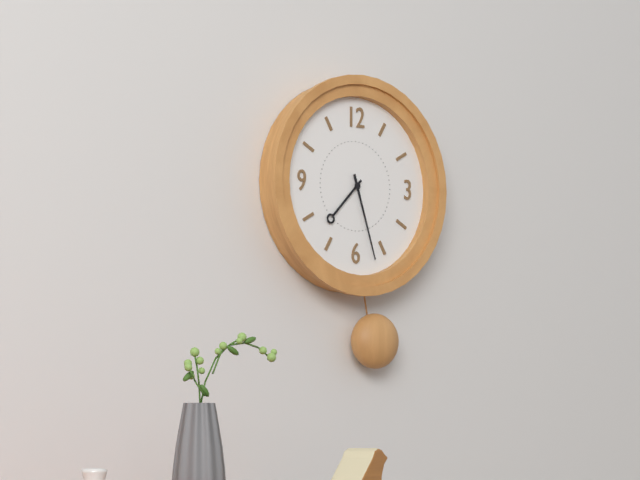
7:27
